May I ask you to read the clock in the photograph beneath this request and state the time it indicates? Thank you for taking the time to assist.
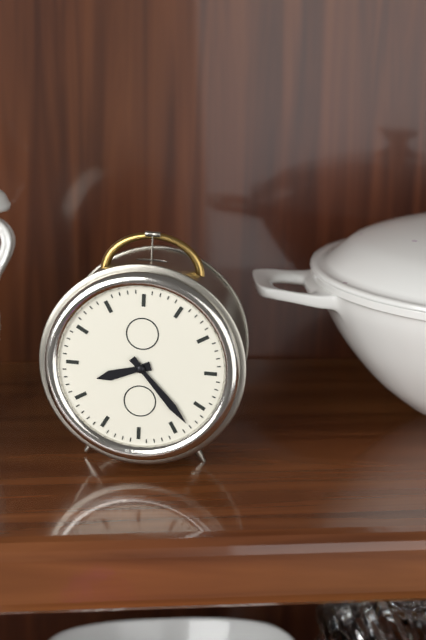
8:23
